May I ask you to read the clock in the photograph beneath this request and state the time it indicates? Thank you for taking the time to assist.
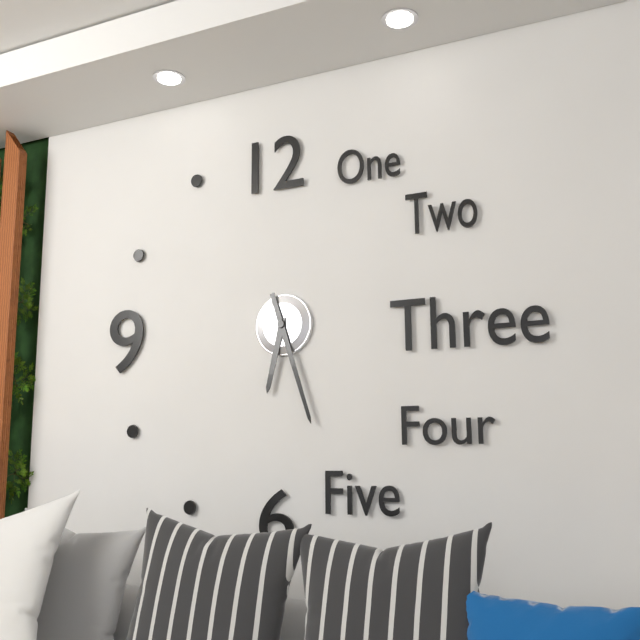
6:27
